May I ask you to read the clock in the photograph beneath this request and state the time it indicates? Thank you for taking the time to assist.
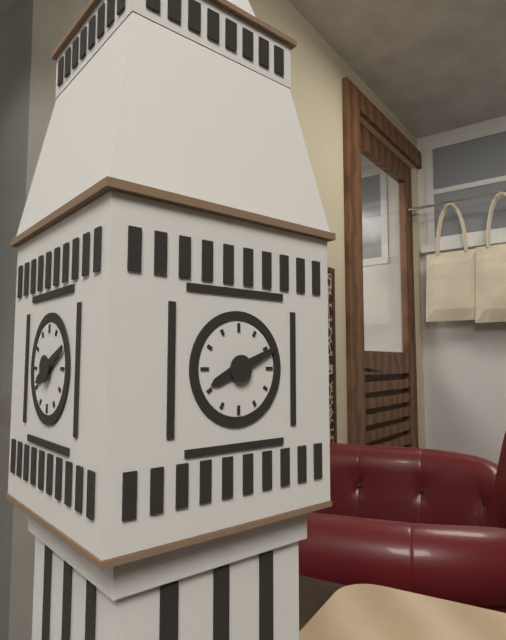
8:11
